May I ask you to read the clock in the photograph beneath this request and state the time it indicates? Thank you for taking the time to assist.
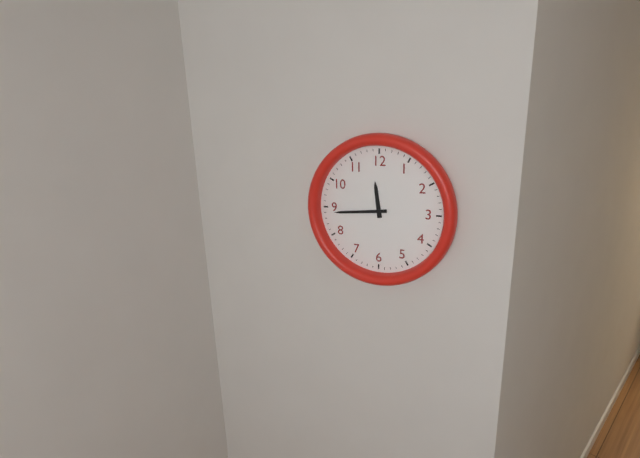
11:44
